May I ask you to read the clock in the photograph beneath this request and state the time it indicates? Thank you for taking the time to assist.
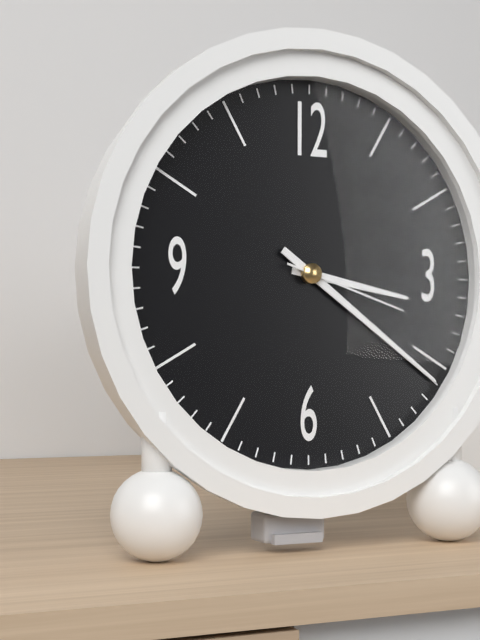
3:21:18
